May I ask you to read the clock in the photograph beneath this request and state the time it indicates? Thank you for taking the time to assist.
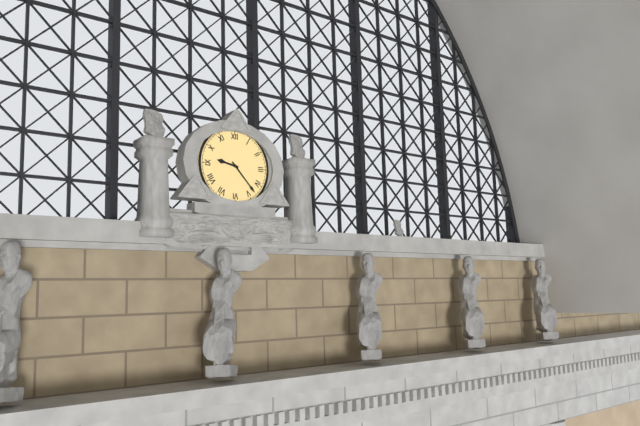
9:23
